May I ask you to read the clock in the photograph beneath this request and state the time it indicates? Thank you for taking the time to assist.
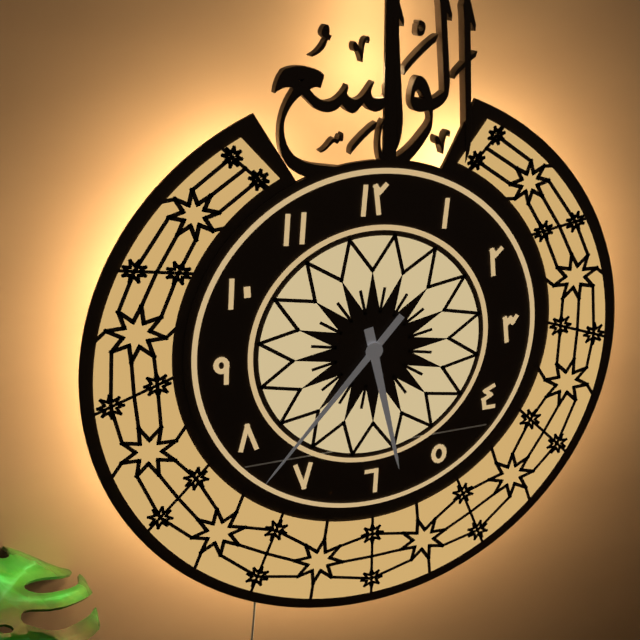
5:37
